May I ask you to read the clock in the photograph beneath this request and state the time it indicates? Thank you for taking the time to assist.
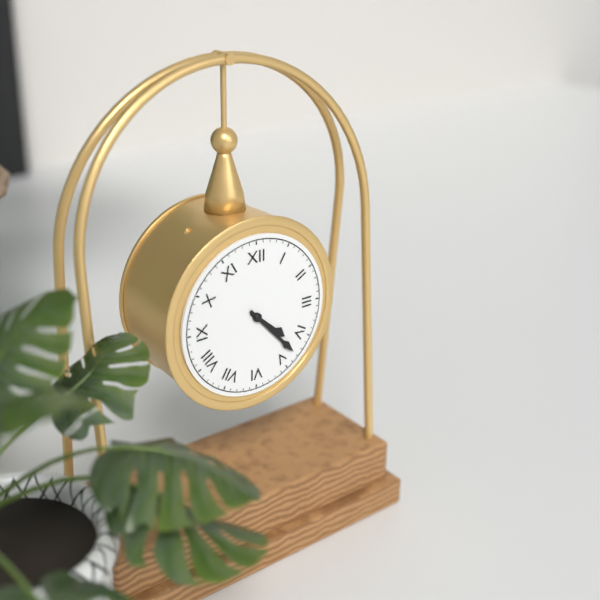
4:23
